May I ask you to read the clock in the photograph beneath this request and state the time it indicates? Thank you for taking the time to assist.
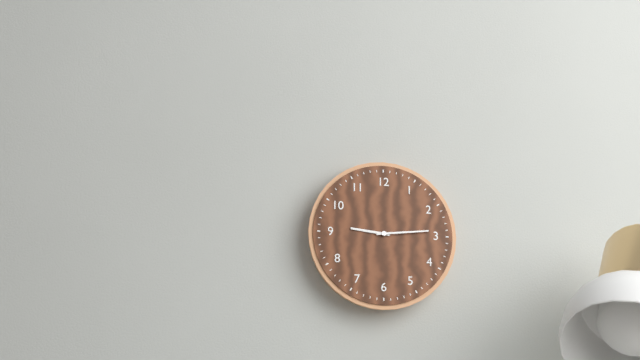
9:14
